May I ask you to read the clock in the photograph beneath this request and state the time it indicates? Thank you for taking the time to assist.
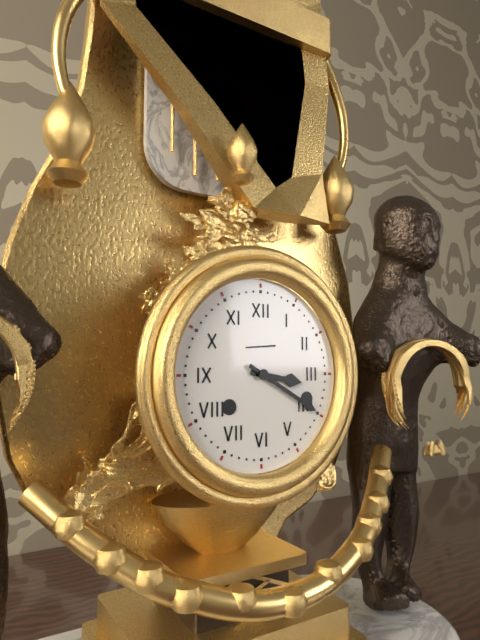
3:20
